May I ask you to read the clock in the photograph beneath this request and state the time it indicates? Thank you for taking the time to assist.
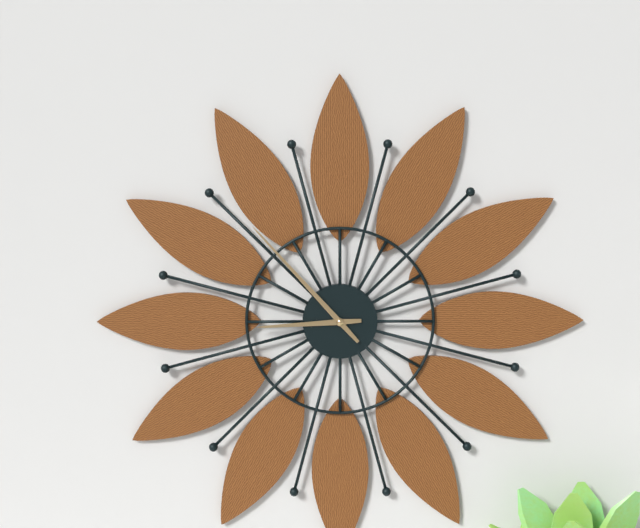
8:53
